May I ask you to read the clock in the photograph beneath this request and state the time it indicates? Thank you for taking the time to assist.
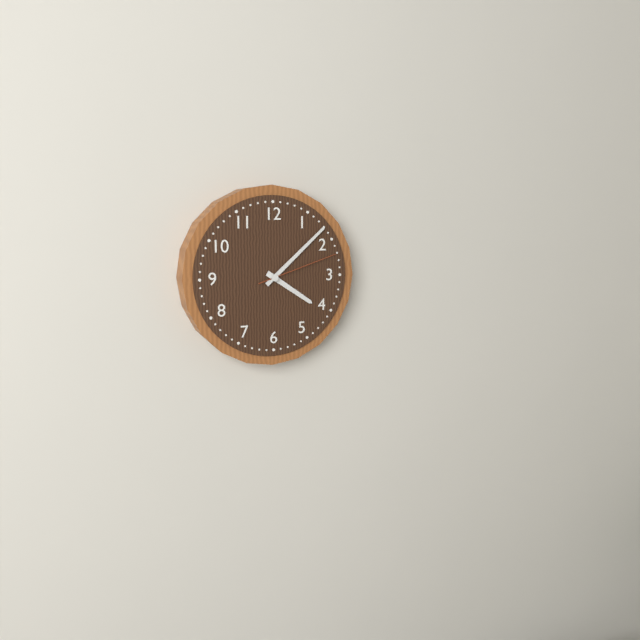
4:08:12
